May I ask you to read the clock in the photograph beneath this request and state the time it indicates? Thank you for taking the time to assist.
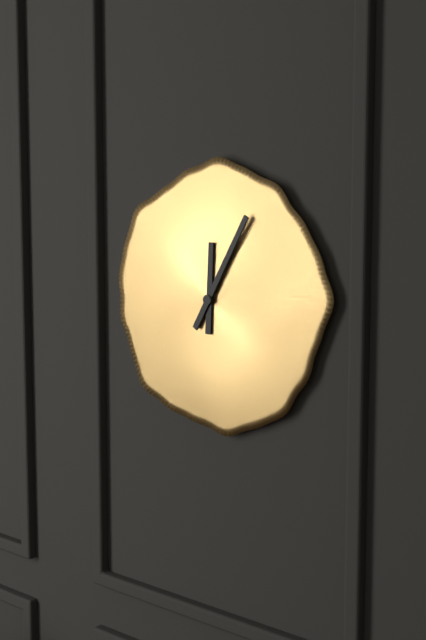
12:05
